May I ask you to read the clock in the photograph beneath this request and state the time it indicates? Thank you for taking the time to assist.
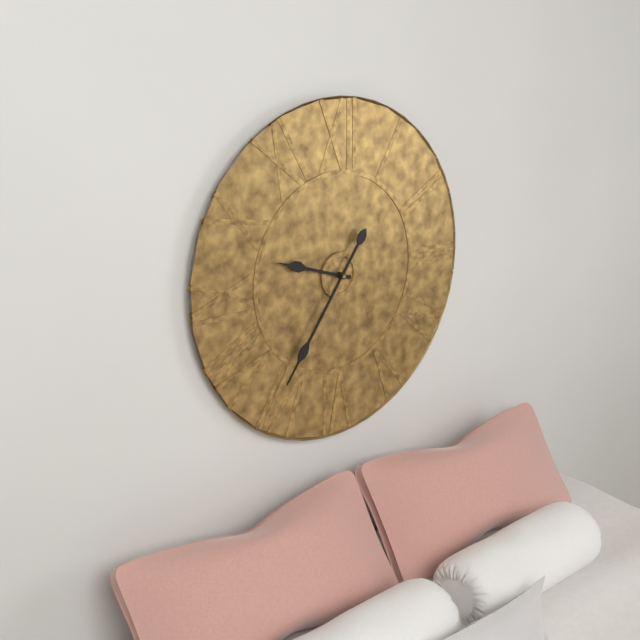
9:36
